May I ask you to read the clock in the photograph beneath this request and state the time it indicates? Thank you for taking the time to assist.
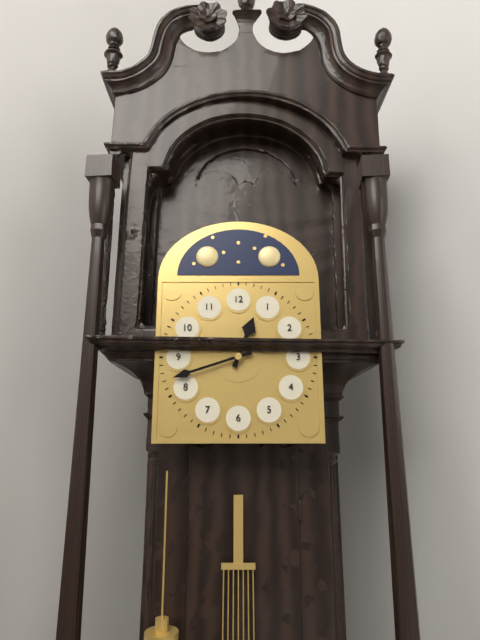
12:42
